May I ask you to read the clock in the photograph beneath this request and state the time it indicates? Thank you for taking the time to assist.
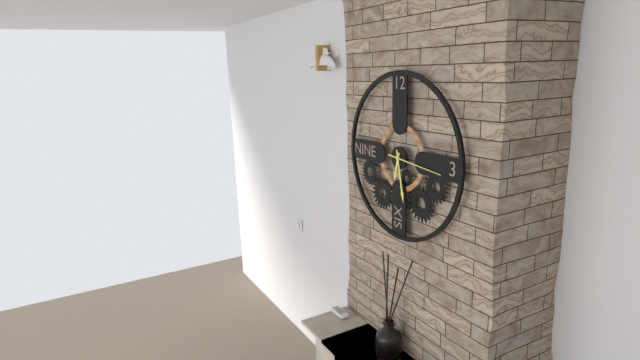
6:28:16
